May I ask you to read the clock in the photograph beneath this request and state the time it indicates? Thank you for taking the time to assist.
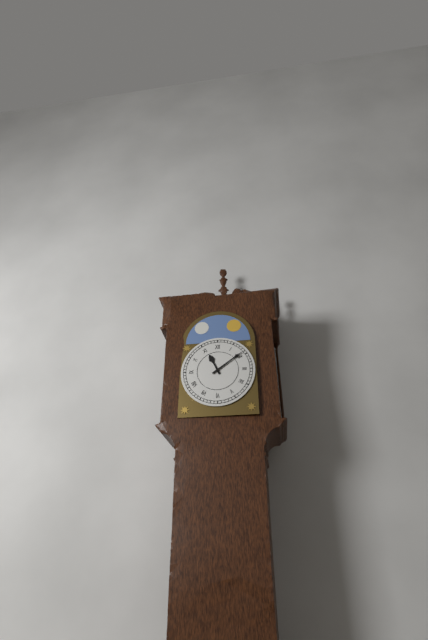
11:09
